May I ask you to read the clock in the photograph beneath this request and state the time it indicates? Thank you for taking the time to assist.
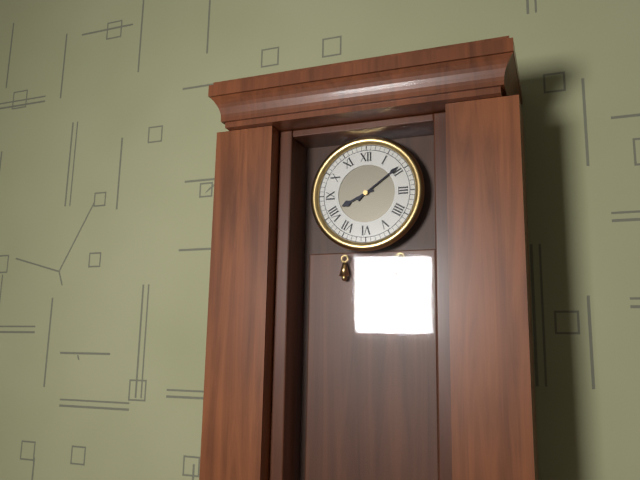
8:09
